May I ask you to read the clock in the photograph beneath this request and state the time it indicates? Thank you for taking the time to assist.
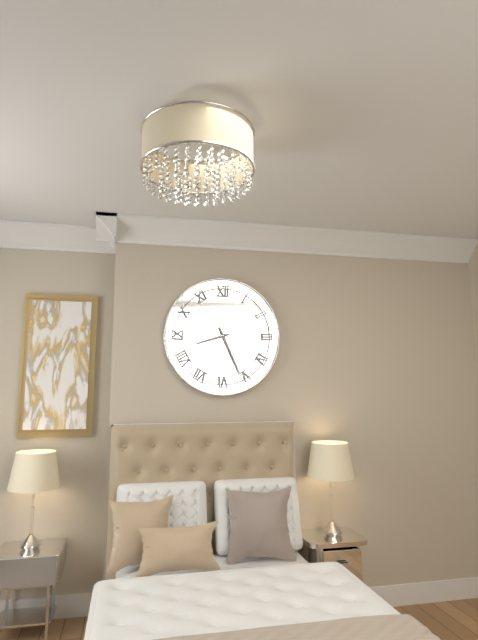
8:26
